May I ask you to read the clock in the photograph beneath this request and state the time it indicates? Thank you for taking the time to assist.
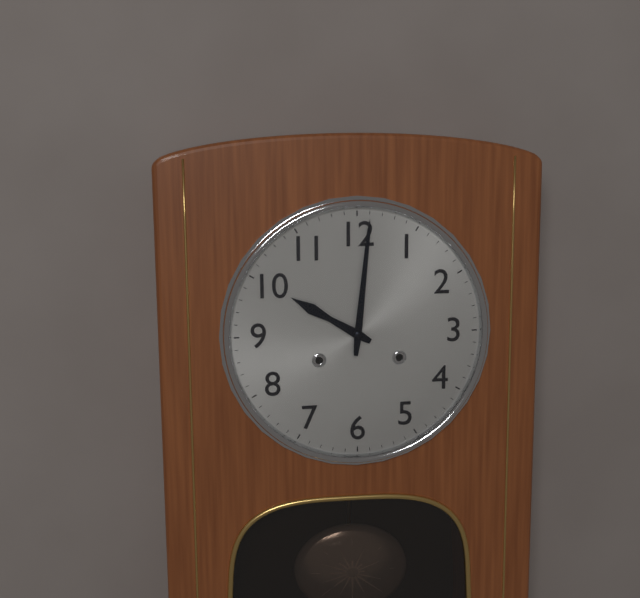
10:01
